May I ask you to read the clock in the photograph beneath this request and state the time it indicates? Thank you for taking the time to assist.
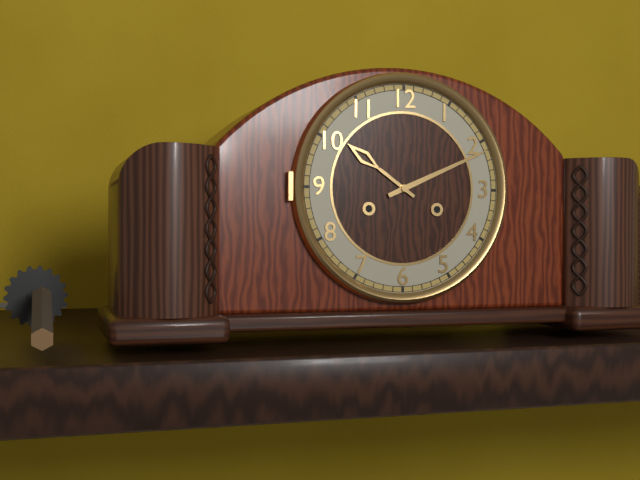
10:11
